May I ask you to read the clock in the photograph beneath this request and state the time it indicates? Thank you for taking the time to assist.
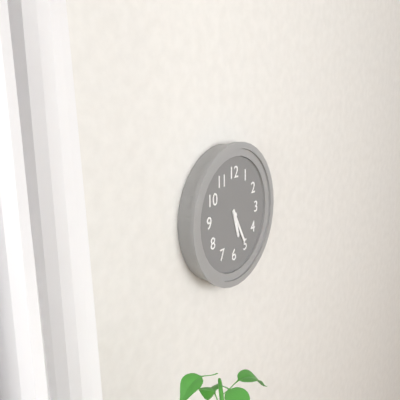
5:25
